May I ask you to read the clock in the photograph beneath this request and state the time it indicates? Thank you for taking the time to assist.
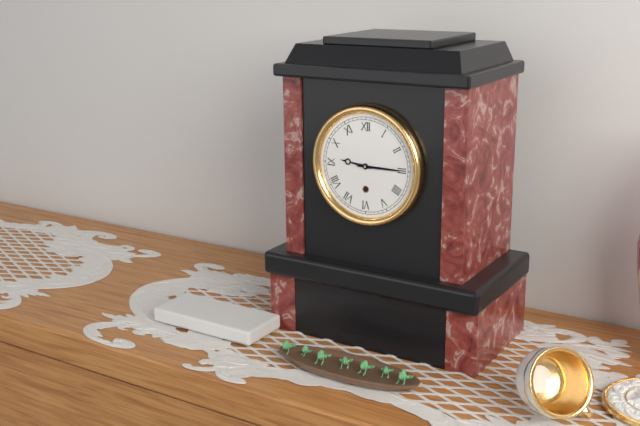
9:15
